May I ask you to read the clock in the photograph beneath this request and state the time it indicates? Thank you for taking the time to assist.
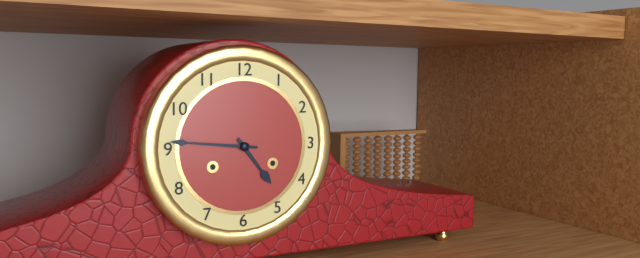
4:46
